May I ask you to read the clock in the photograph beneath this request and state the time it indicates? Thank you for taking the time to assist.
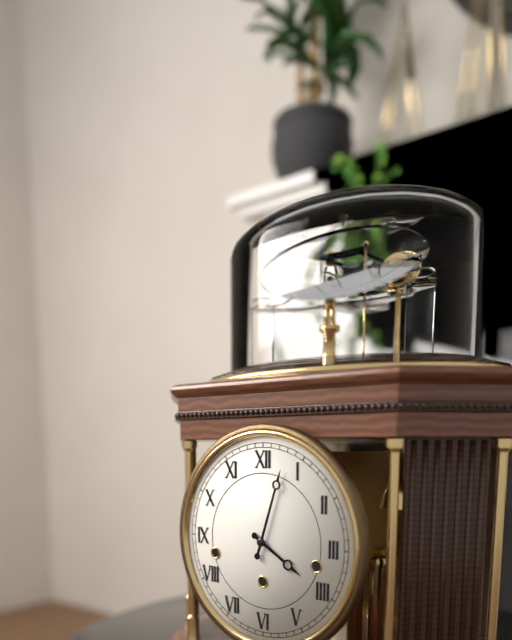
4:03
